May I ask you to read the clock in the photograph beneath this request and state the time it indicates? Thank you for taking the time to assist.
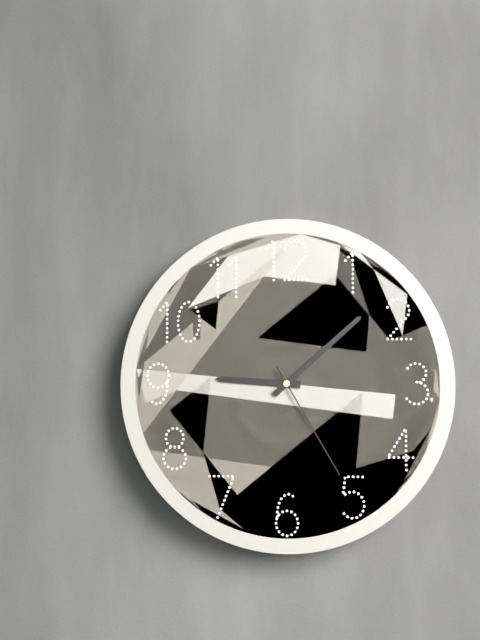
9:08:25
